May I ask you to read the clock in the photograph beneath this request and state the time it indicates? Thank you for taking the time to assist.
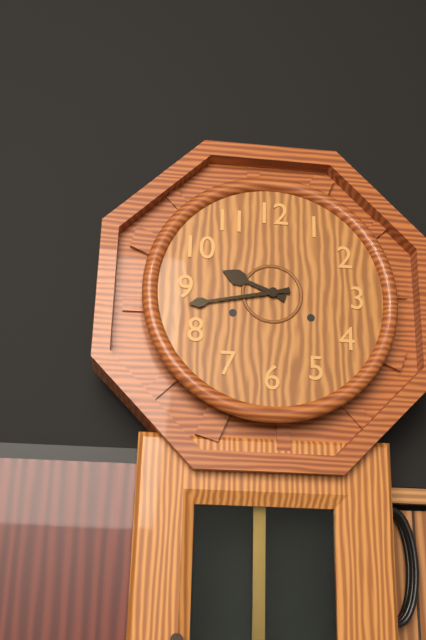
9:43
